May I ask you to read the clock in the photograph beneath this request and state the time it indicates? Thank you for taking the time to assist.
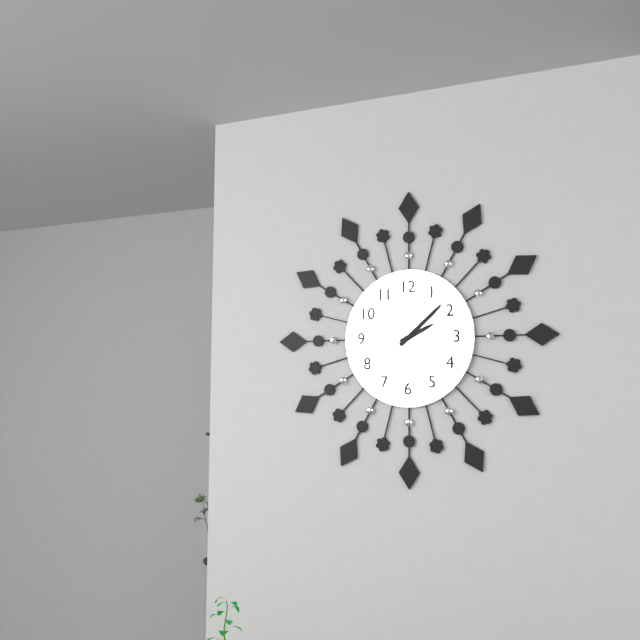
2:08
